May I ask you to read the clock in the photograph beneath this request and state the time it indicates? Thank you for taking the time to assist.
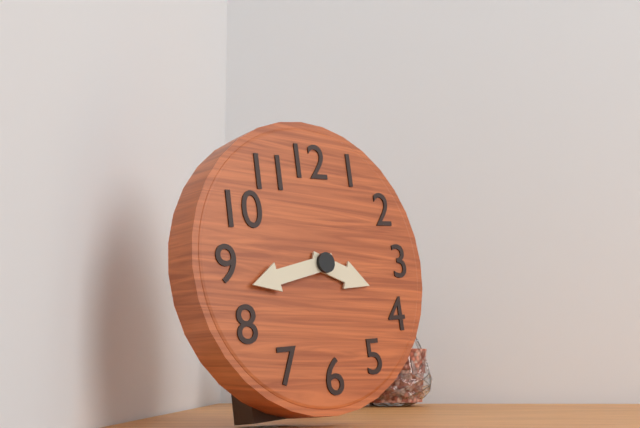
3:43
